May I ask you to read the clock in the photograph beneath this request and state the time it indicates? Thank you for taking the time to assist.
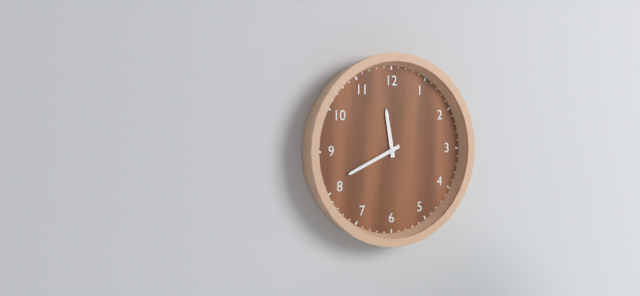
11:41
